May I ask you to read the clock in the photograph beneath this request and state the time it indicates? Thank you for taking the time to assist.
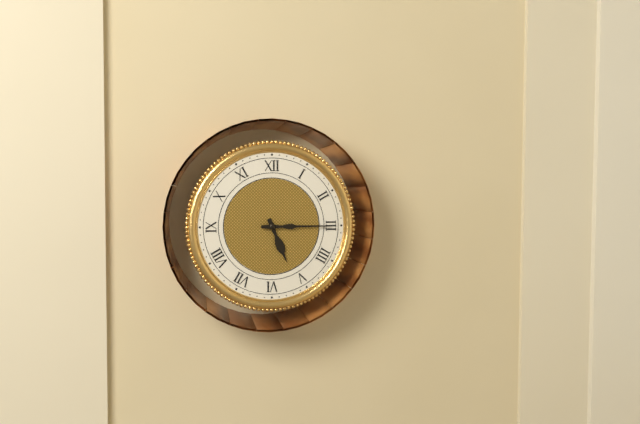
5:15
